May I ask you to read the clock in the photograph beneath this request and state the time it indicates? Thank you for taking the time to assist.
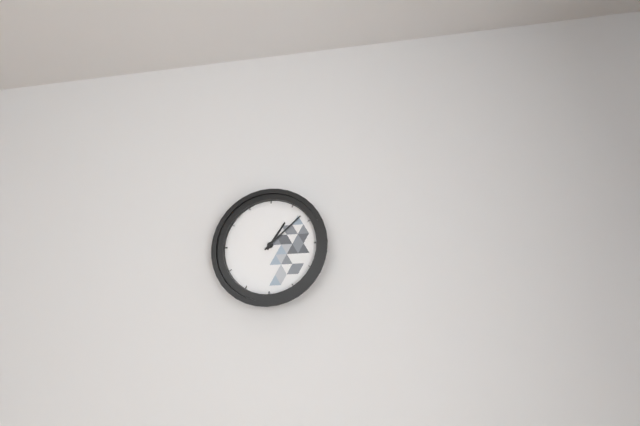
1:08
